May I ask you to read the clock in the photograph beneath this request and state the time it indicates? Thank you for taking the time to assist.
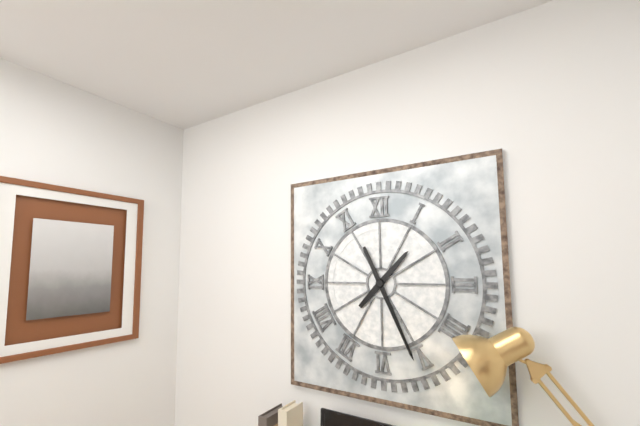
1:26
